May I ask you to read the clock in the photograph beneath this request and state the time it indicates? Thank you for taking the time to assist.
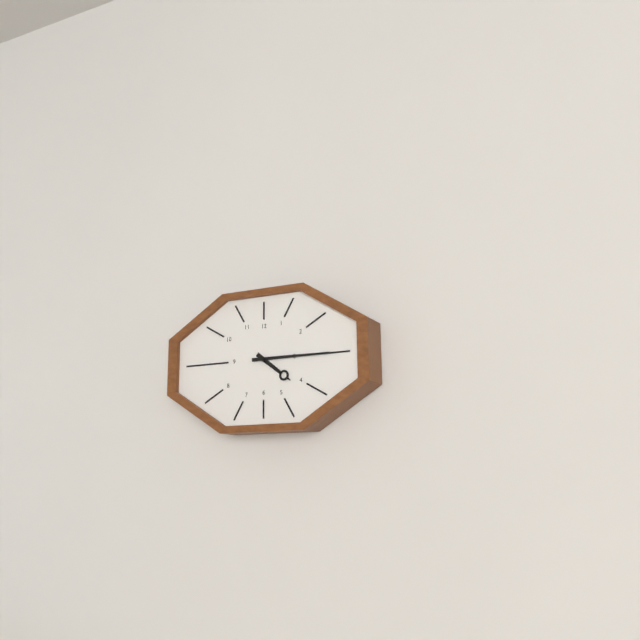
4:15
